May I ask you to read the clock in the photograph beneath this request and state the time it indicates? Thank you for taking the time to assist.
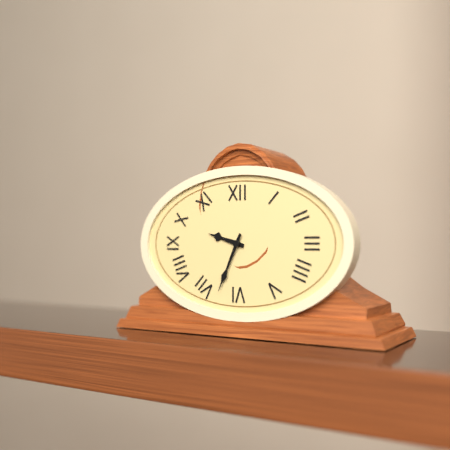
9:34
